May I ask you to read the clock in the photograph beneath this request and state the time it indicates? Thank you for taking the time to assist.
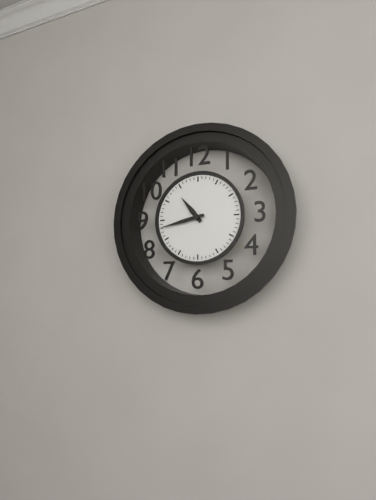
10:43
